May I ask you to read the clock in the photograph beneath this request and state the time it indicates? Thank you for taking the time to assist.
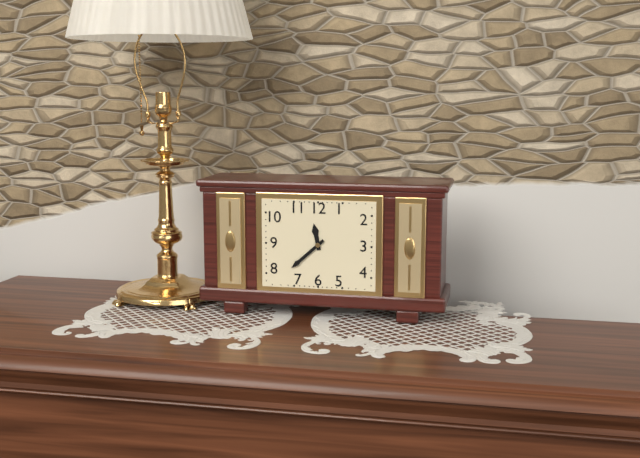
11:38
